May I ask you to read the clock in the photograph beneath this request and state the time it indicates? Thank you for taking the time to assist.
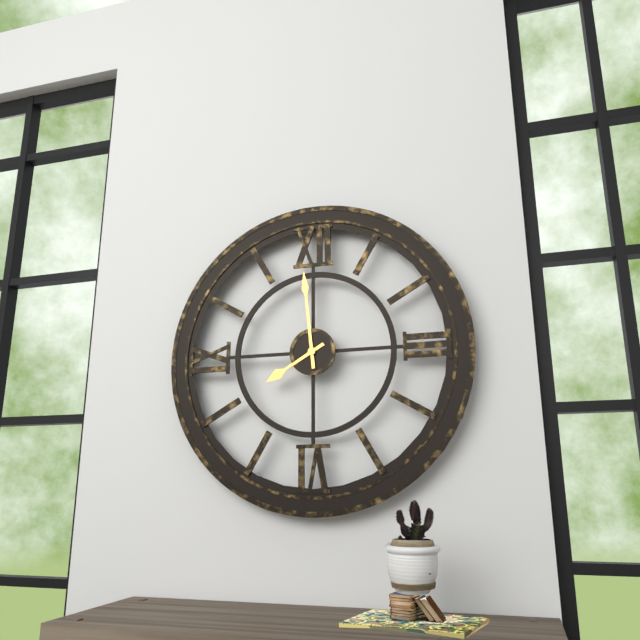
7:59
